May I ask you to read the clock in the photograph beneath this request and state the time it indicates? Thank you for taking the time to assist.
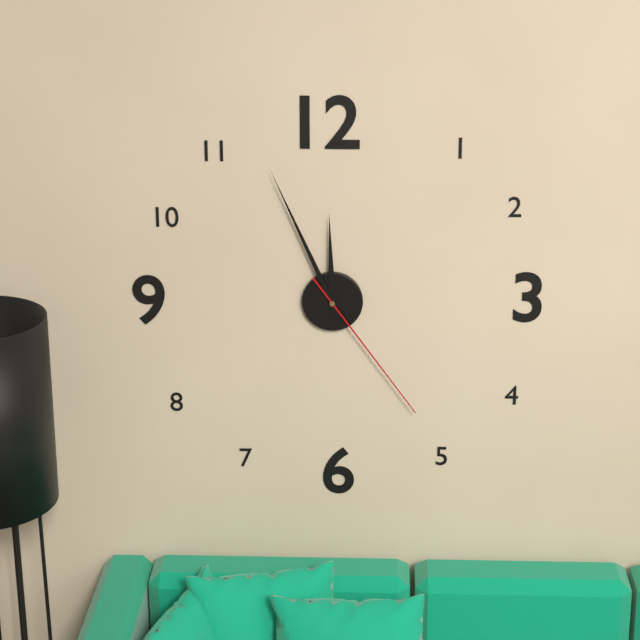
11:56:24
